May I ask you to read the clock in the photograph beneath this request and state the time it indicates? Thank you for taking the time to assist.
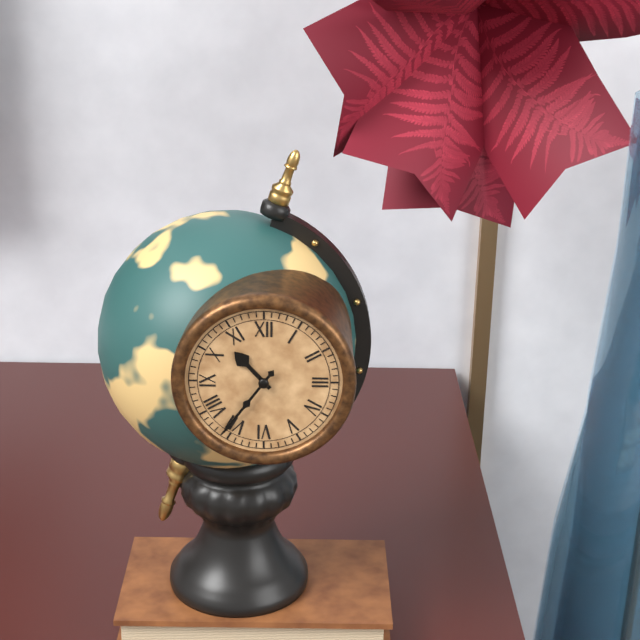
10:36
